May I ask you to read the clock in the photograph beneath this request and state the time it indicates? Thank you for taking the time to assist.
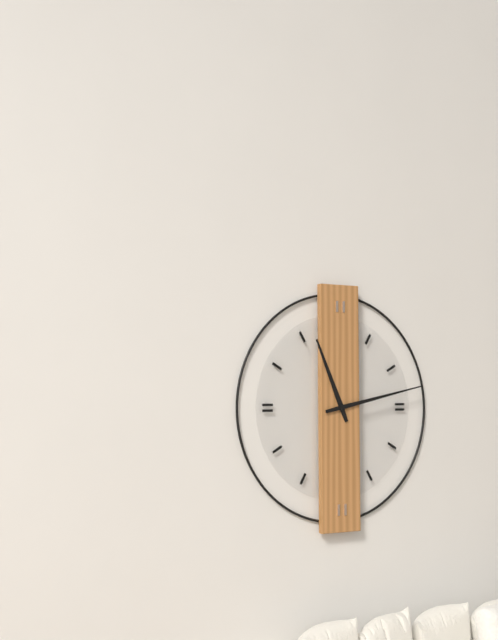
11:13
